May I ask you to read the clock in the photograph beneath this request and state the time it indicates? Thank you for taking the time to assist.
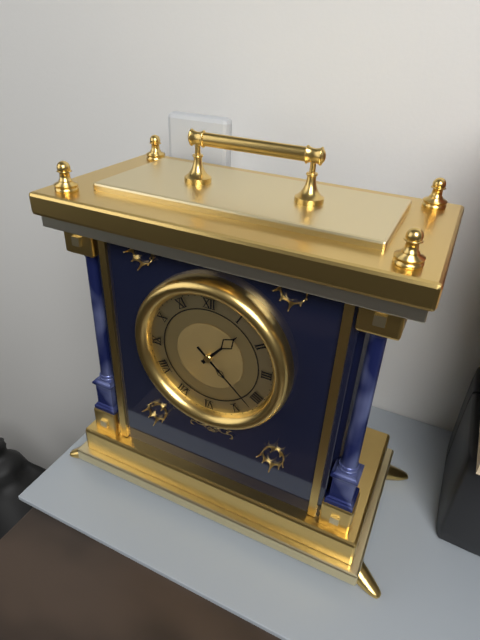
1:22
